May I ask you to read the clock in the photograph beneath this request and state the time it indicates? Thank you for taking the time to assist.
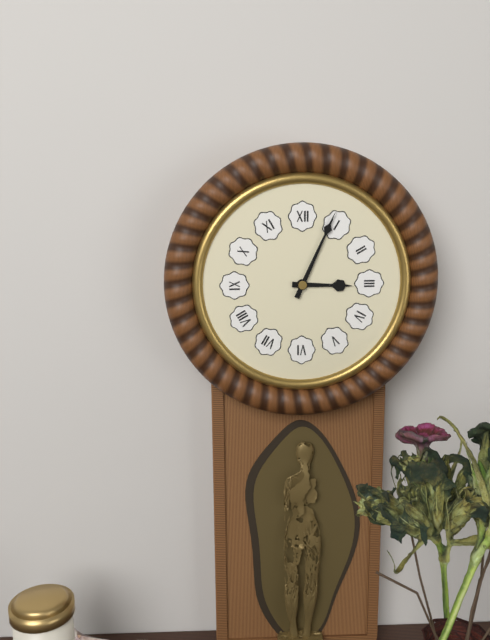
3:04
